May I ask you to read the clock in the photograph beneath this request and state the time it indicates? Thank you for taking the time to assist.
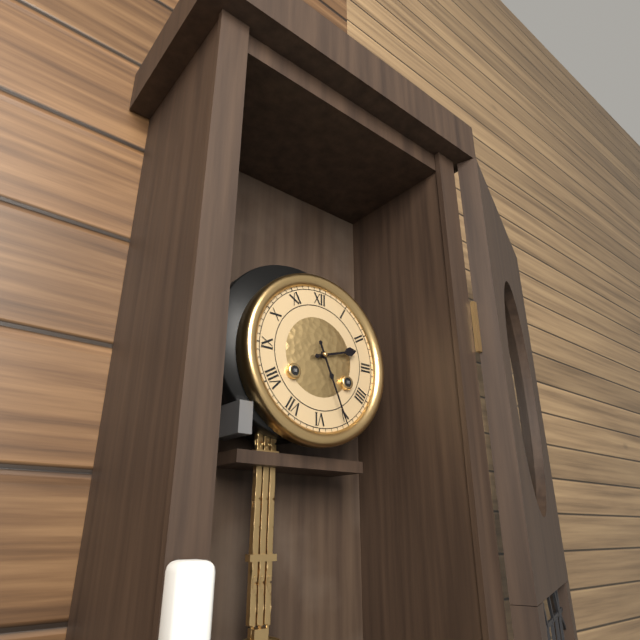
2:26
